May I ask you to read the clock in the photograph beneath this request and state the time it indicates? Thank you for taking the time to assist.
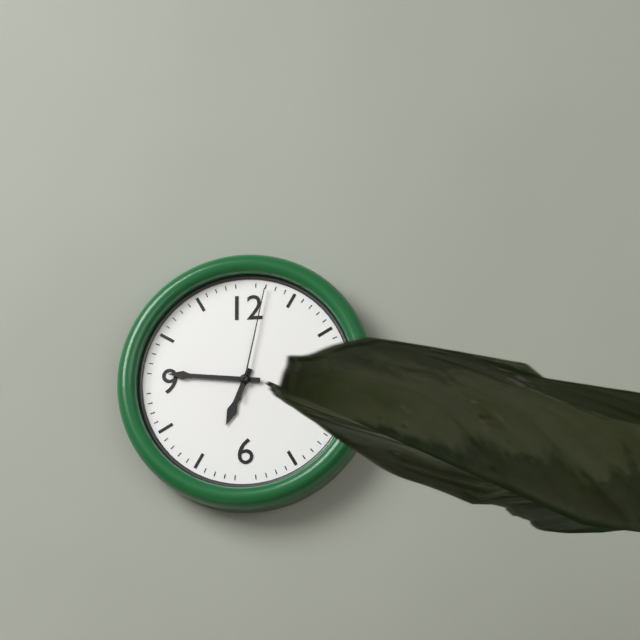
6:46:02
